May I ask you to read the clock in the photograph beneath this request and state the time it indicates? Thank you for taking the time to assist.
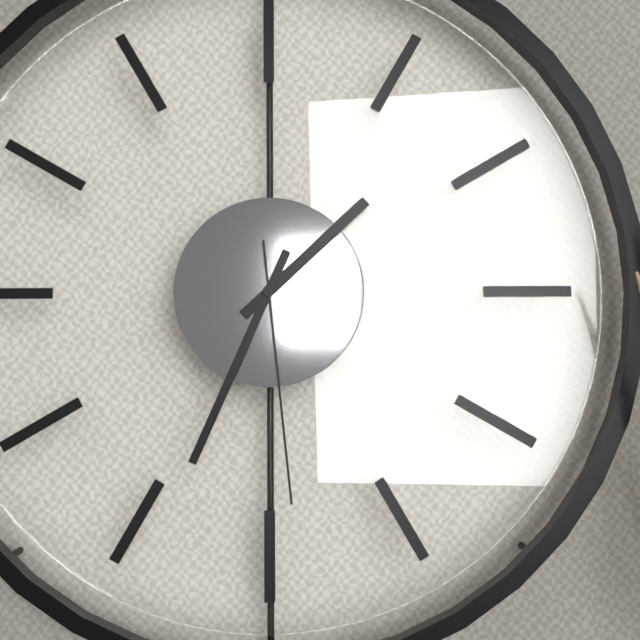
1:34:29
